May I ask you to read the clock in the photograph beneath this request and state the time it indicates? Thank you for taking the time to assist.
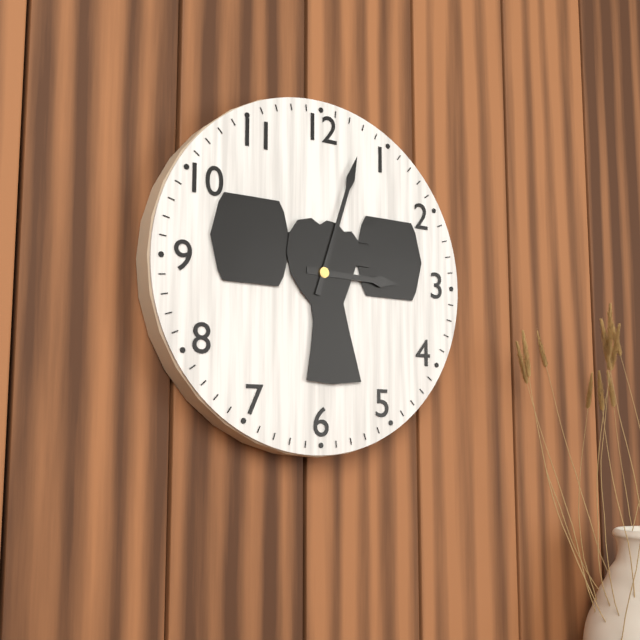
3:03
